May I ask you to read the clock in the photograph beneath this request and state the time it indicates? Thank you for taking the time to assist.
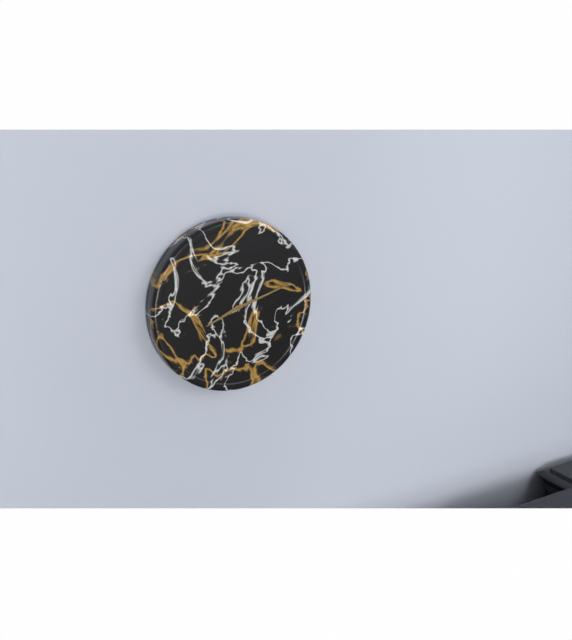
8:12
